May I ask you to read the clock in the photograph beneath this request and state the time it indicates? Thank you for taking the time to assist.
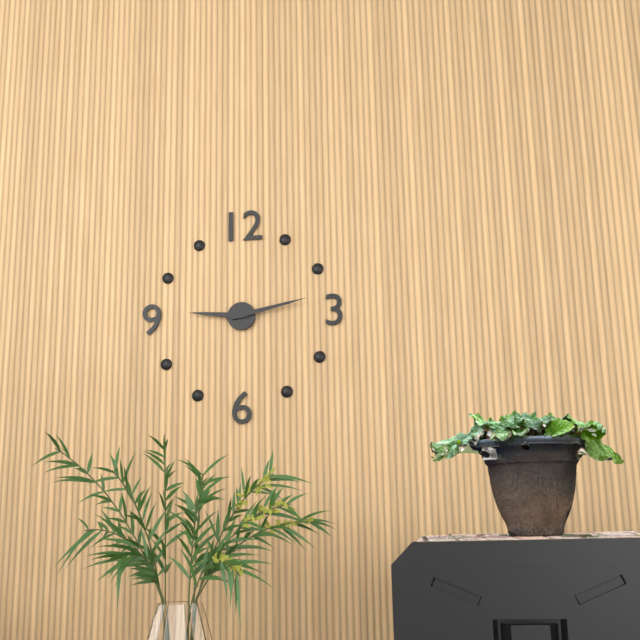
9:13
